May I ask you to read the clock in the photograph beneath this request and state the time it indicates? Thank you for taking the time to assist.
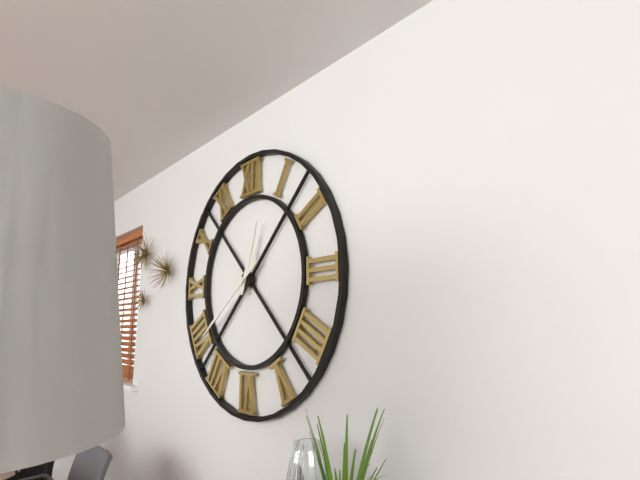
12:39
